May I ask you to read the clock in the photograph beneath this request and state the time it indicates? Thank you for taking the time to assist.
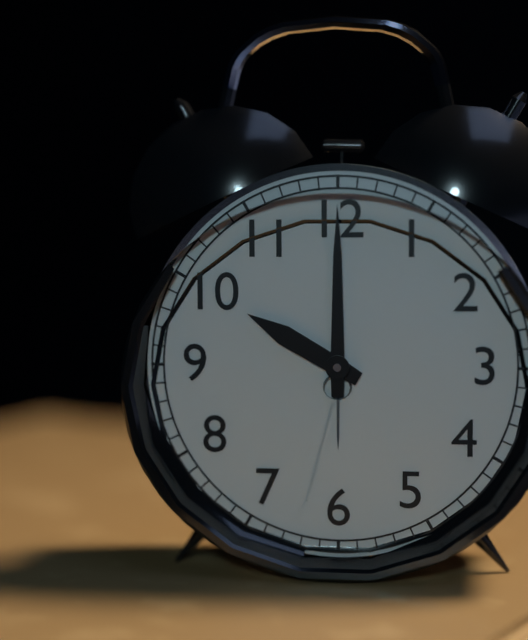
10:00
